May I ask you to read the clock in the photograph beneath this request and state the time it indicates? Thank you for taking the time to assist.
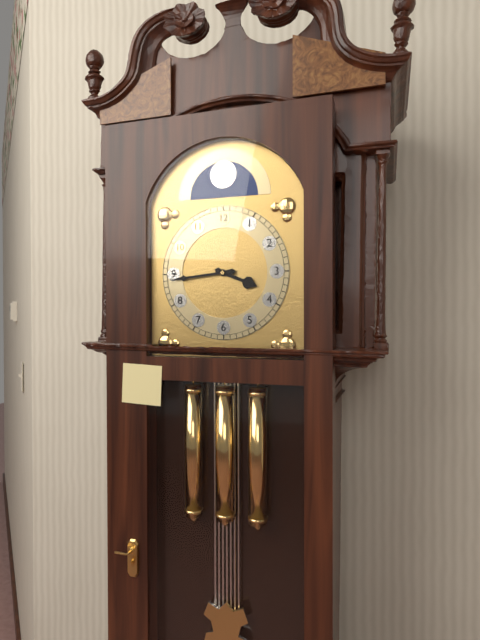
3:44
